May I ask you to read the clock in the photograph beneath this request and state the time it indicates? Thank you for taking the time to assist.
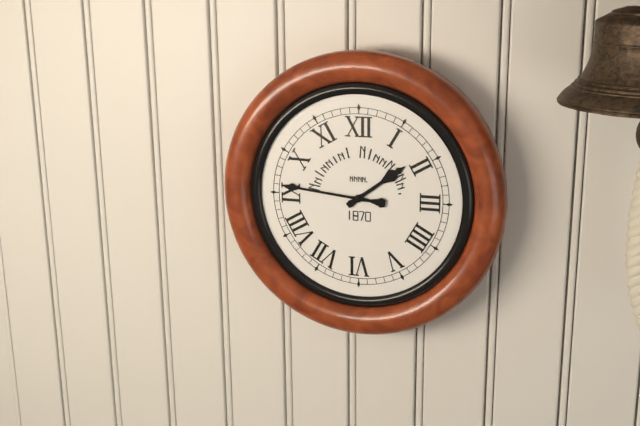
1:46
